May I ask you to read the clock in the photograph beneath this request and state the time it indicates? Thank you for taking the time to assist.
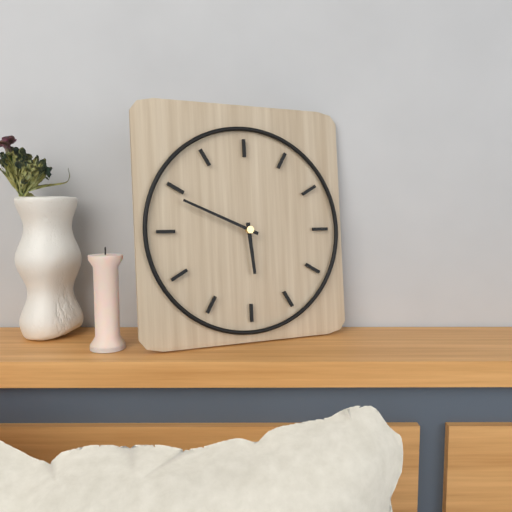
5:49
